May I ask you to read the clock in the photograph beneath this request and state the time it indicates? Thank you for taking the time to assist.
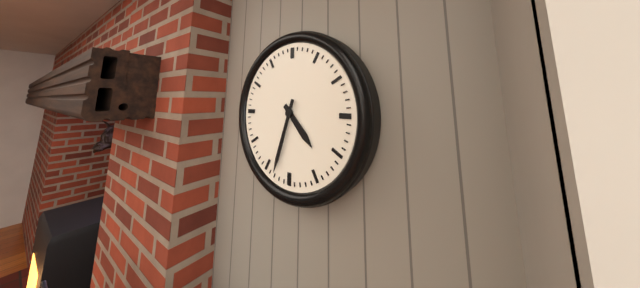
4:33
